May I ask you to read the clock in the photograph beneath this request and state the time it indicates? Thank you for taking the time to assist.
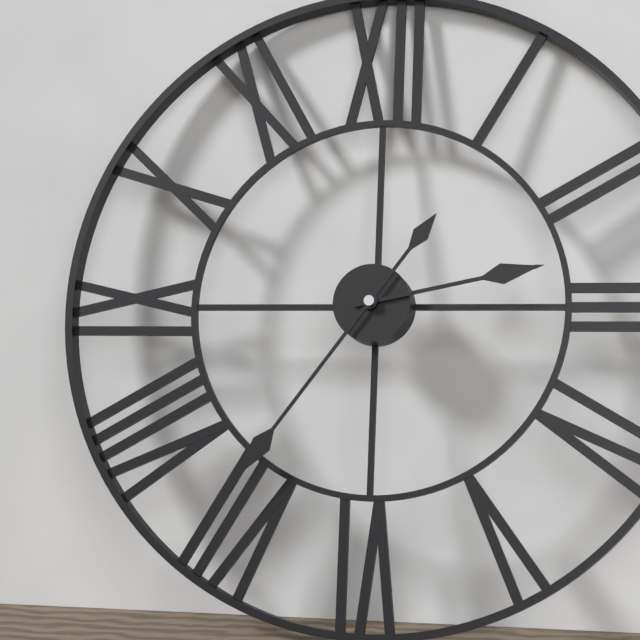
2:36
